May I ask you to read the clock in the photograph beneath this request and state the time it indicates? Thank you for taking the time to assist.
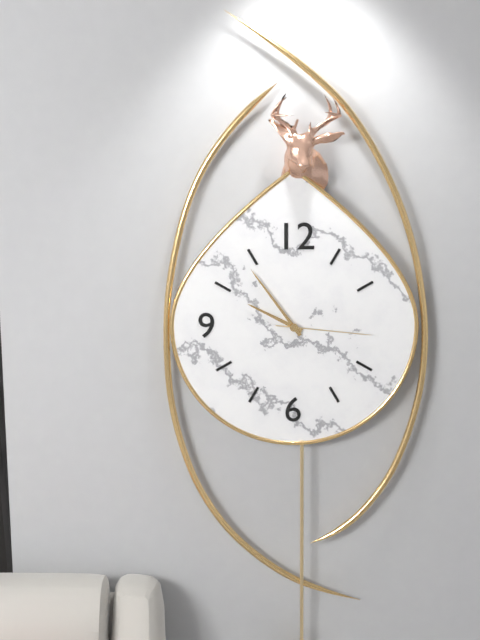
9:54:16
